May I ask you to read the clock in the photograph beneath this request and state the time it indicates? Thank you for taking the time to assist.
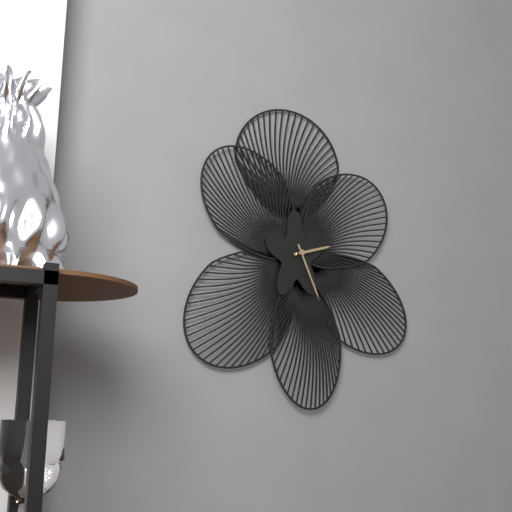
2:26
